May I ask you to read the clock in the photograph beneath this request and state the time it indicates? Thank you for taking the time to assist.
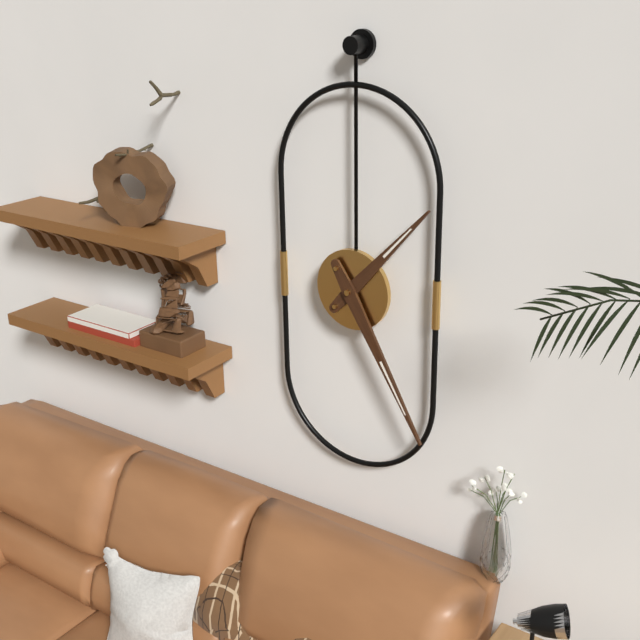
1:25
